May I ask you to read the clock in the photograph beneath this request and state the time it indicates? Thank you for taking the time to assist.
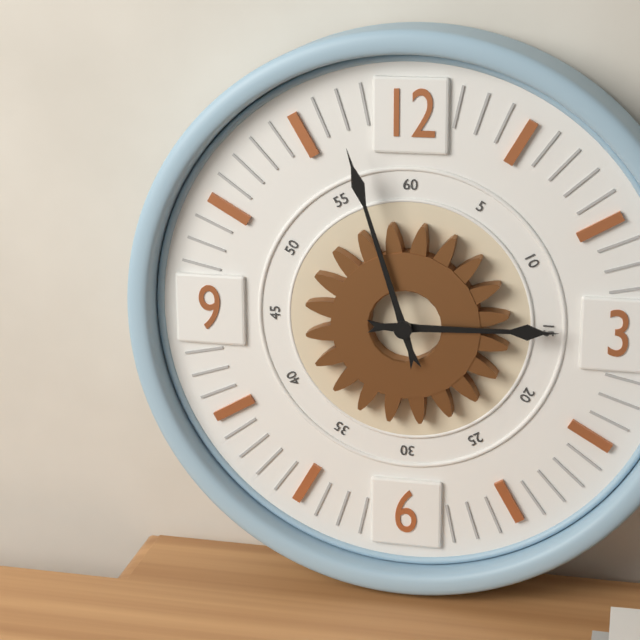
2:57
